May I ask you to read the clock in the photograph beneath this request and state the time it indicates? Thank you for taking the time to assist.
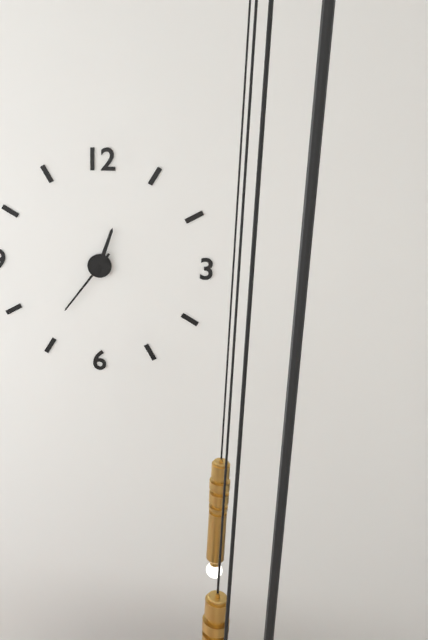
12:36
